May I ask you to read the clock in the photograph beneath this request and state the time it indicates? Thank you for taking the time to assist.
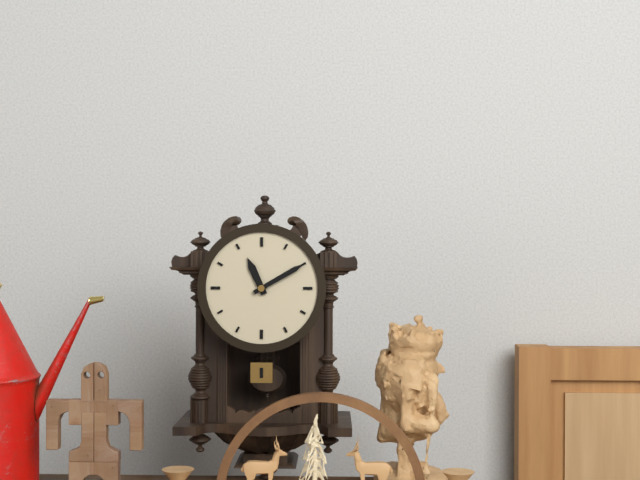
11:10
